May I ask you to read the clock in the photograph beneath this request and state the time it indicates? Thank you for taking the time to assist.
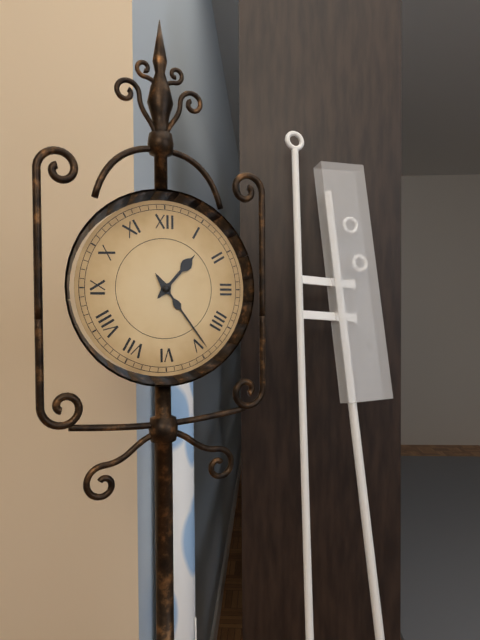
1:24
